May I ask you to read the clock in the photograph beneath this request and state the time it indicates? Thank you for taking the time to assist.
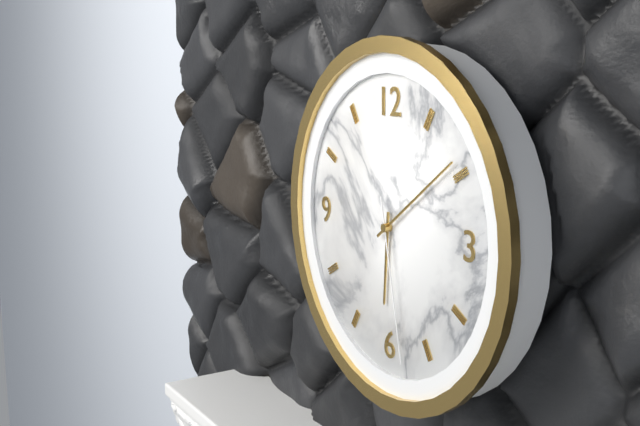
6:09:28
